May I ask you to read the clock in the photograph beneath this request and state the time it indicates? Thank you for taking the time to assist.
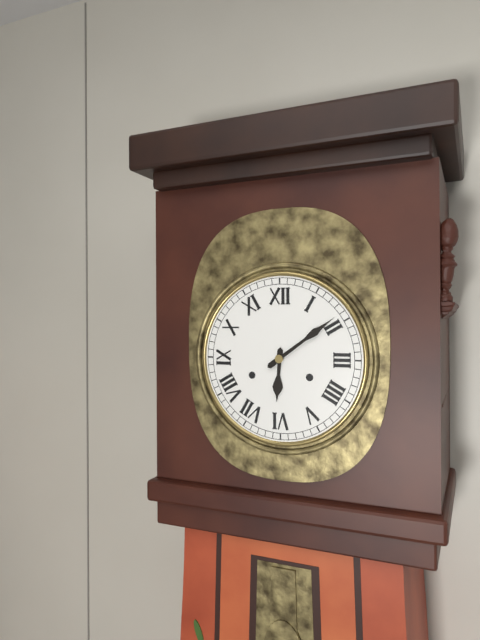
6:09
